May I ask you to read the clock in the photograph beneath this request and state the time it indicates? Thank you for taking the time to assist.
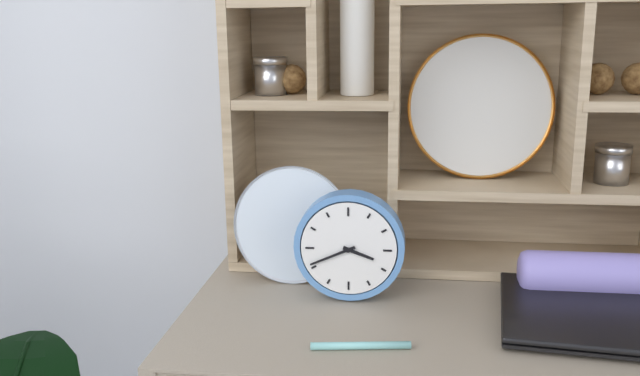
3:41
